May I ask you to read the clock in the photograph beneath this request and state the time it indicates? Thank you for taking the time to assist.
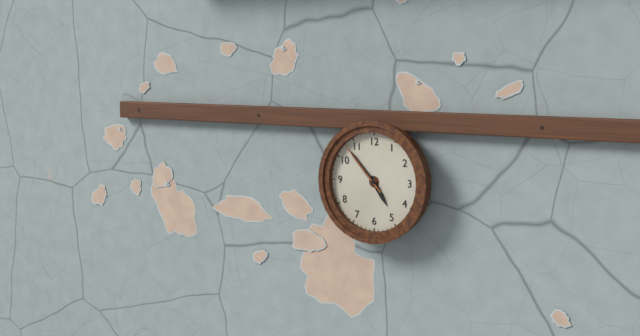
4:53:53
